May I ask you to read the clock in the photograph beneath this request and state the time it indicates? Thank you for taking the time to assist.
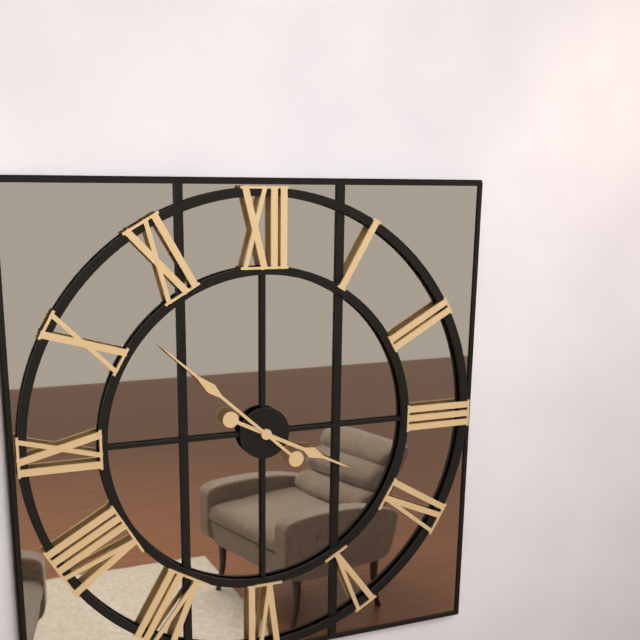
3:52
